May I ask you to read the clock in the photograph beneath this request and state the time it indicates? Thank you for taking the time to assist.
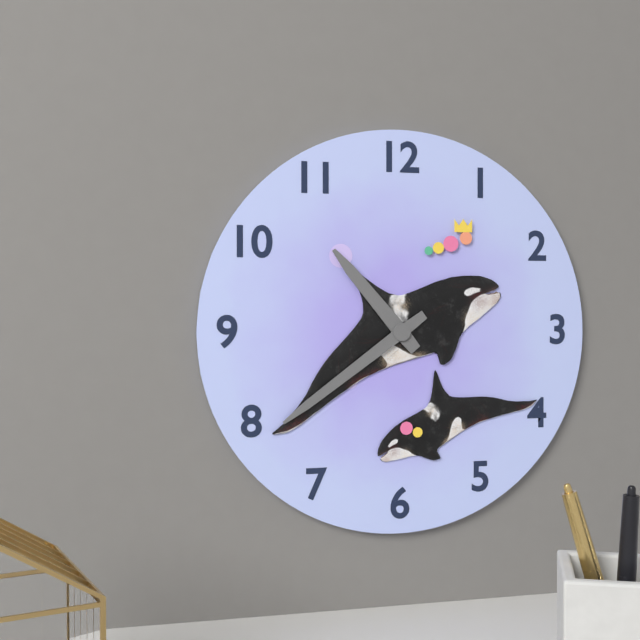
10:39
